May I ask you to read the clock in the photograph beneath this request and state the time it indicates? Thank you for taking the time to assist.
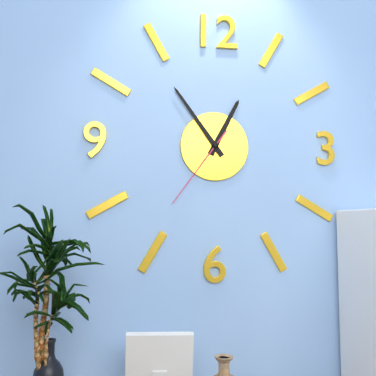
12:54:36
